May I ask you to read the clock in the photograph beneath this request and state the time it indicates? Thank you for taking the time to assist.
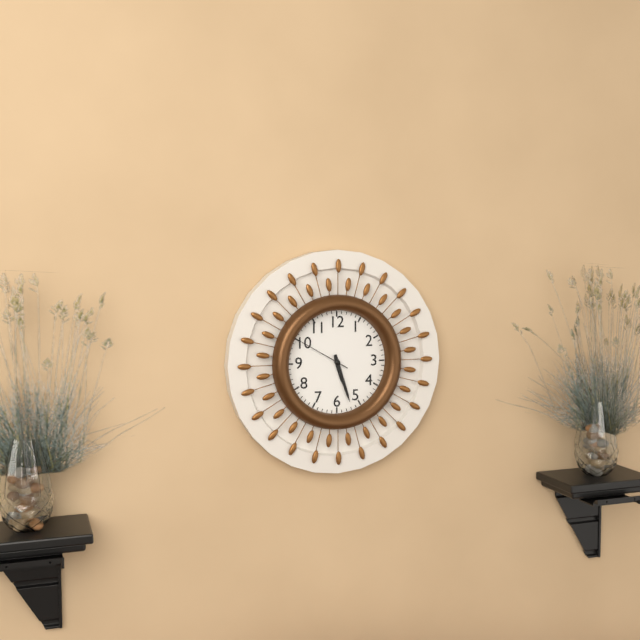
5:27:50
